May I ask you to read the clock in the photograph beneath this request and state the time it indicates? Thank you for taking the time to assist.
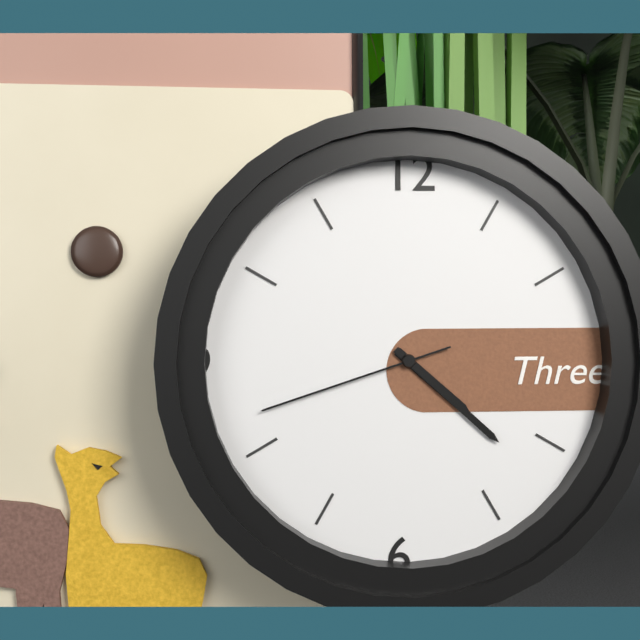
4:22:42
